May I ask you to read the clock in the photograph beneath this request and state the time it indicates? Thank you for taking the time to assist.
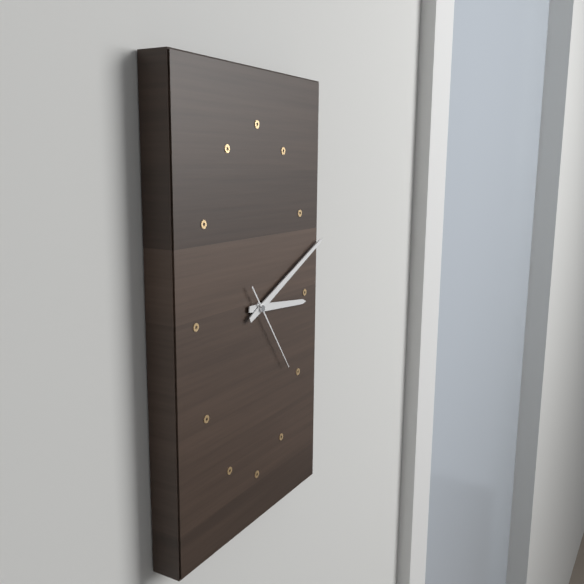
3:11:24
